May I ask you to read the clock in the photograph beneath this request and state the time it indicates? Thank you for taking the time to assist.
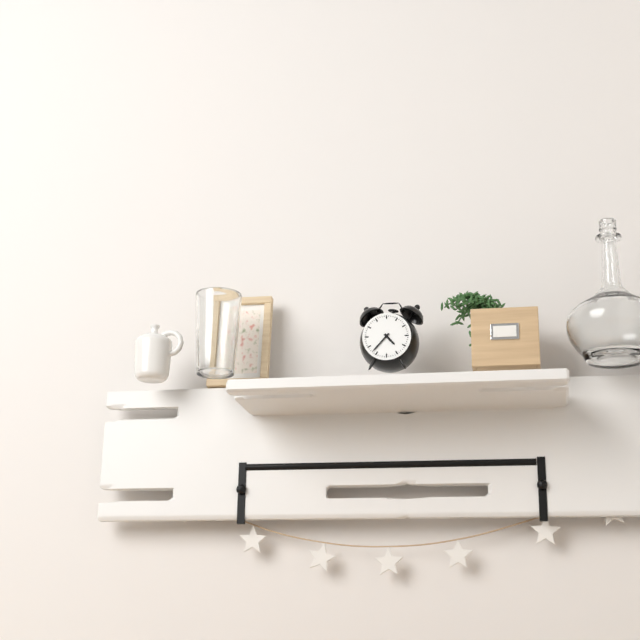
4:37
